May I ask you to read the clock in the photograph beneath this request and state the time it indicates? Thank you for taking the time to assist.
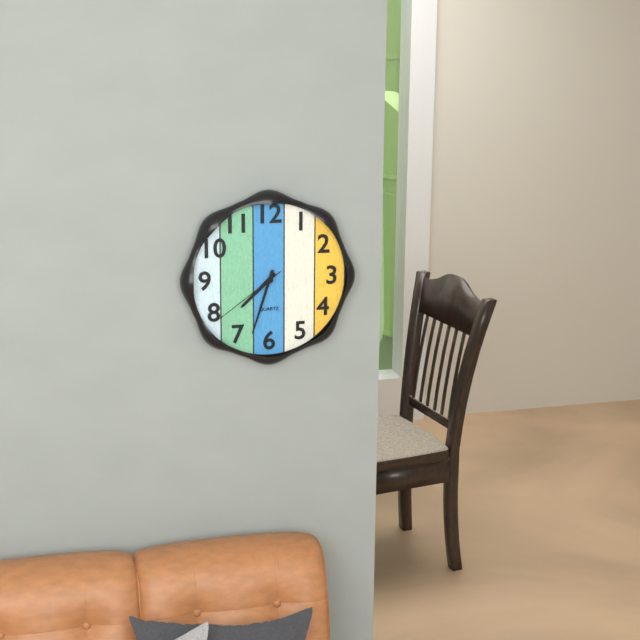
7:33:39
